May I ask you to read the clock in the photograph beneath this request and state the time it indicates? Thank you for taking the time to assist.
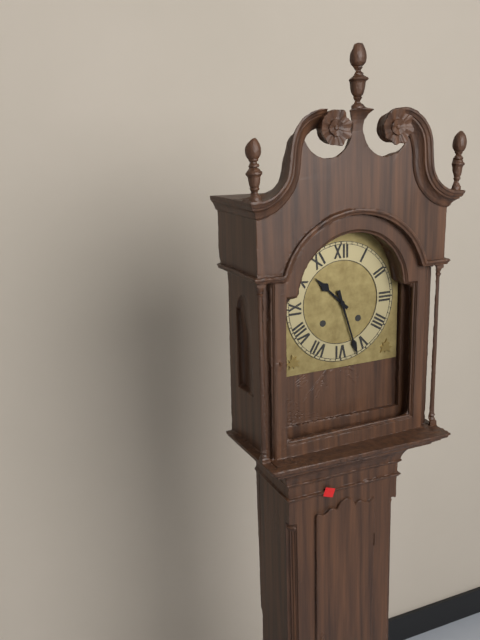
10:27
